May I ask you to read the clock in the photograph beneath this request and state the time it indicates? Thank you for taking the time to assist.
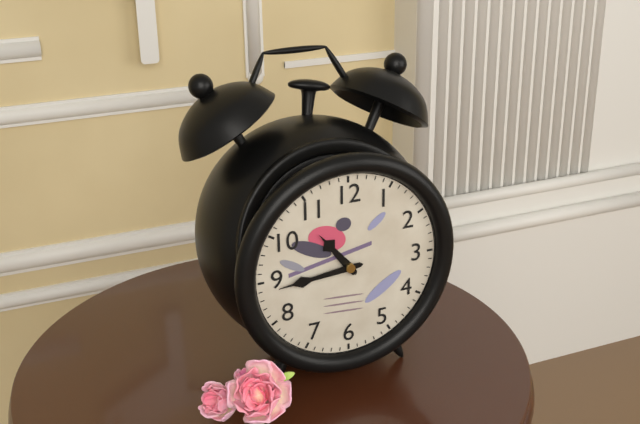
10:44
